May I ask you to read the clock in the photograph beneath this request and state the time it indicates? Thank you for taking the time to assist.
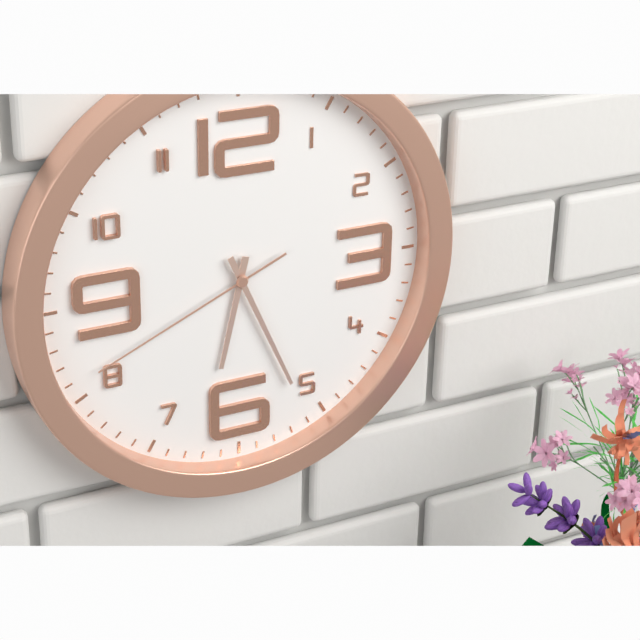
6:26:41
